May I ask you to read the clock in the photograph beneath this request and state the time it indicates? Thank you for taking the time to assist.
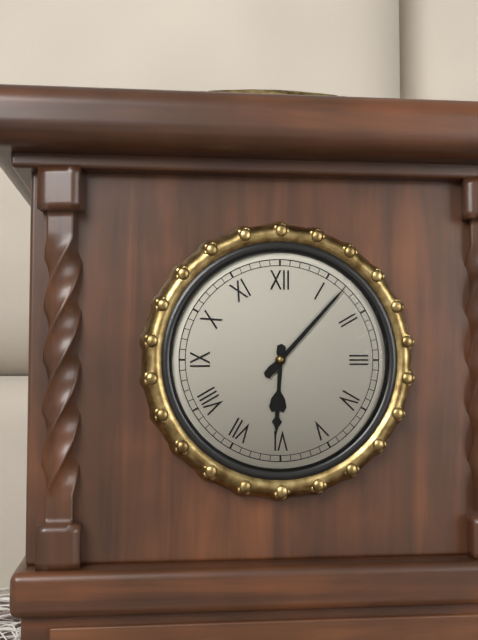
6:07
